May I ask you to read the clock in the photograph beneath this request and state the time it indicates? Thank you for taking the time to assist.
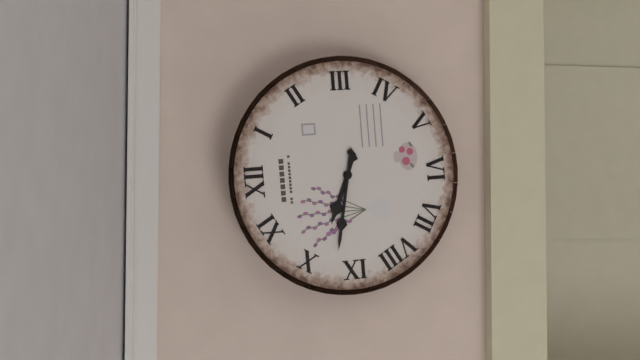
9:47
